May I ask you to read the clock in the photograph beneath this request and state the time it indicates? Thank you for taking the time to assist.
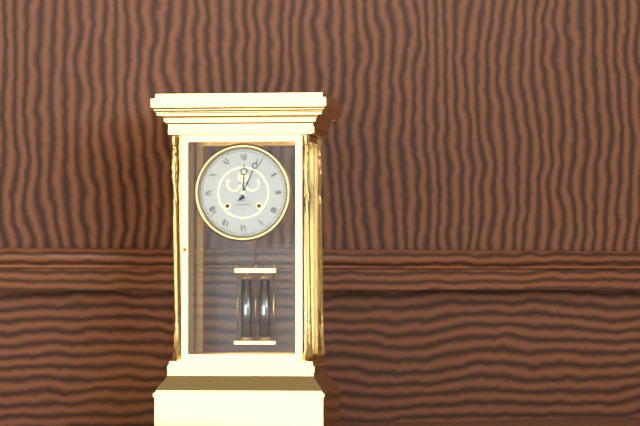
12:04
